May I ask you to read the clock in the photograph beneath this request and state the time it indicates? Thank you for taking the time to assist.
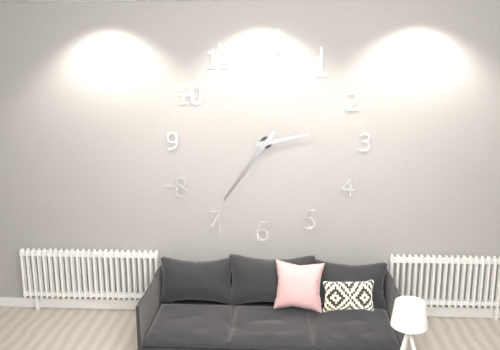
2:36
